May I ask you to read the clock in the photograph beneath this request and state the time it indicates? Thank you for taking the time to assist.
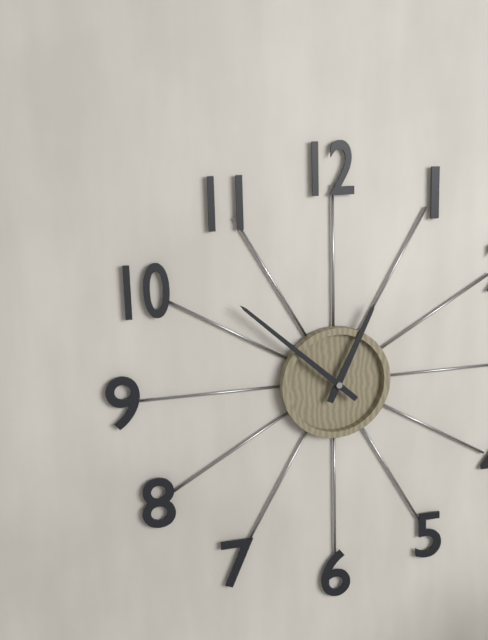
12:52
